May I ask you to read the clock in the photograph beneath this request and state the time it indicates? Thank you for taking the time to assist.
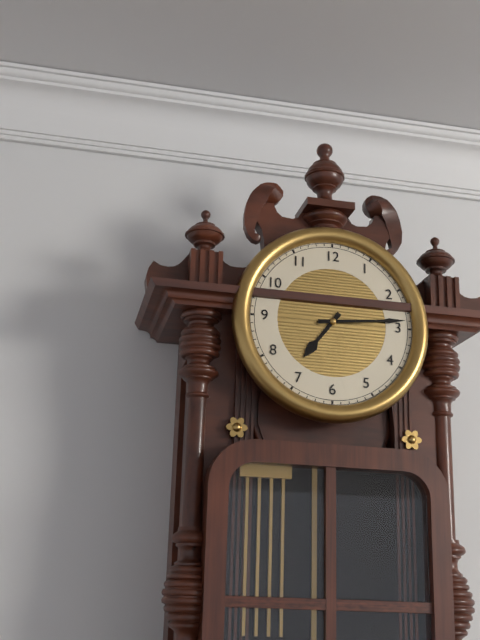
7:14
